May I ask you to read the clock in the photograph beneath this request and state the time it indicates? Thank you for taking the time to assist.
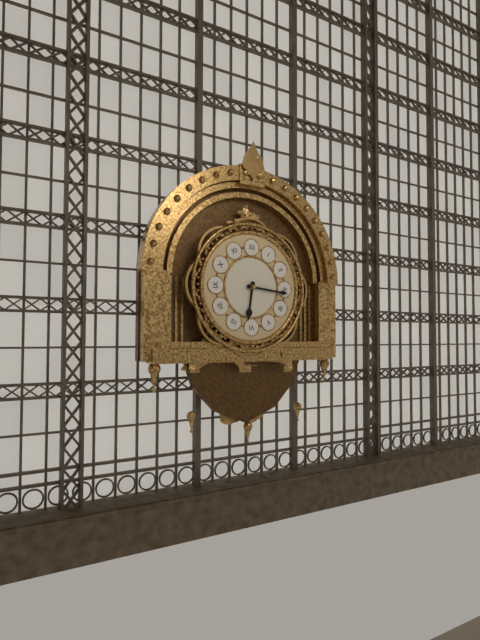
6:16
